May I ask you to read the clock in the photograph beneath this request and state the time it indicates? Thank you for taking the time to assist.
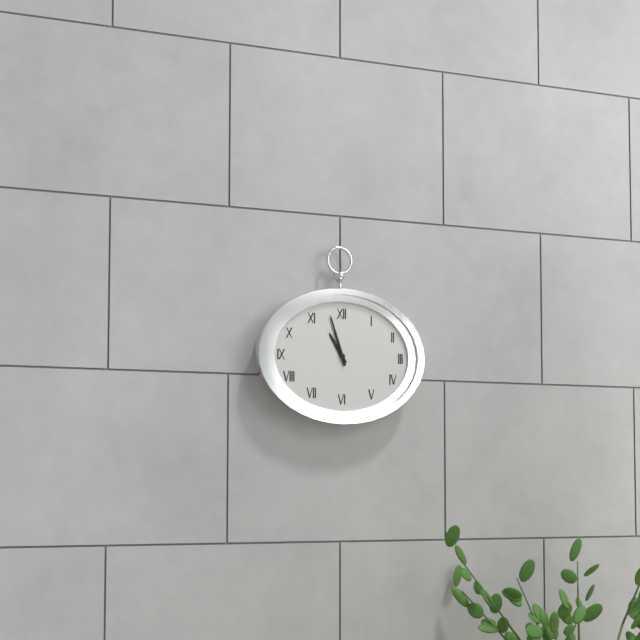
10:57
